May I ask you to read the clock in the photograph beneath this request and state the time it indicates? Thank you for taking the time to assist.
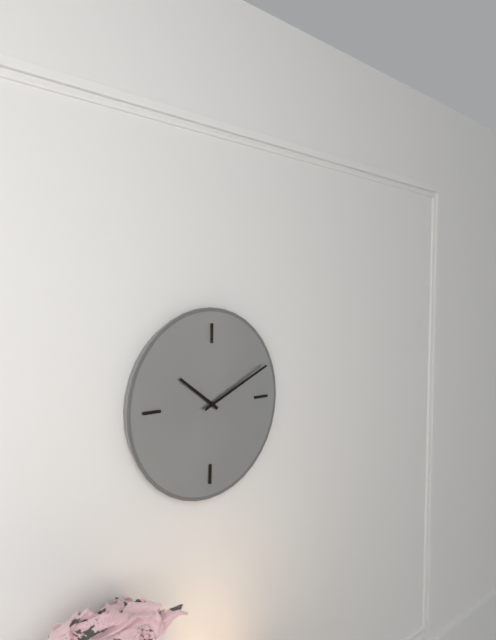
10:11
